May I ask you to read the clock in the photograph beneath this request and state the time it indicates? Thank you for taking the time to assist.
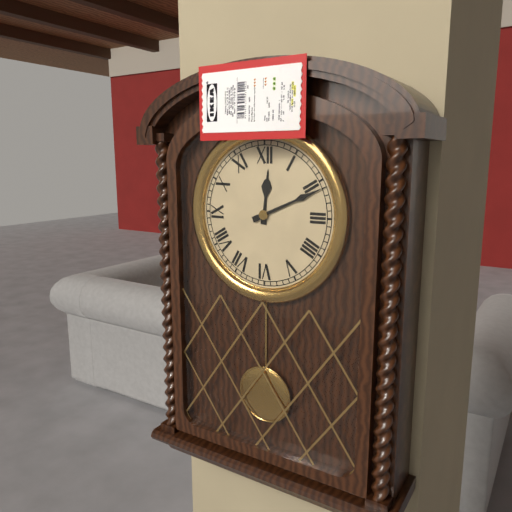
12:11
